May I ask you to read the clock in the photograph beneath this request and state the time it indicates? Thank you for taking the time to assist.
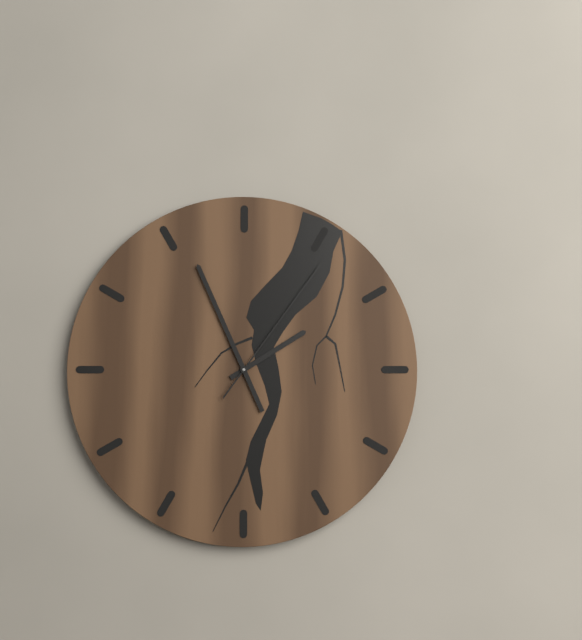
1:56:06
